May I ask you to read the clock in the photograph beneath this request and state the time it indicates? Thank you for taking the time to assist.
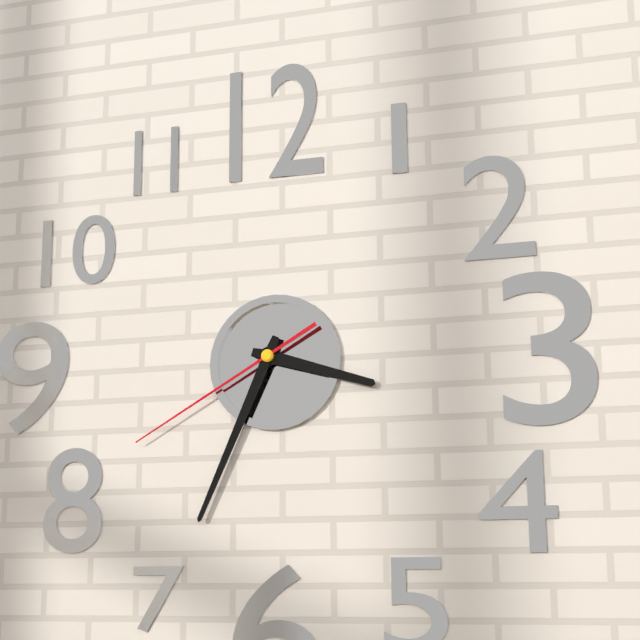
3:34:40
